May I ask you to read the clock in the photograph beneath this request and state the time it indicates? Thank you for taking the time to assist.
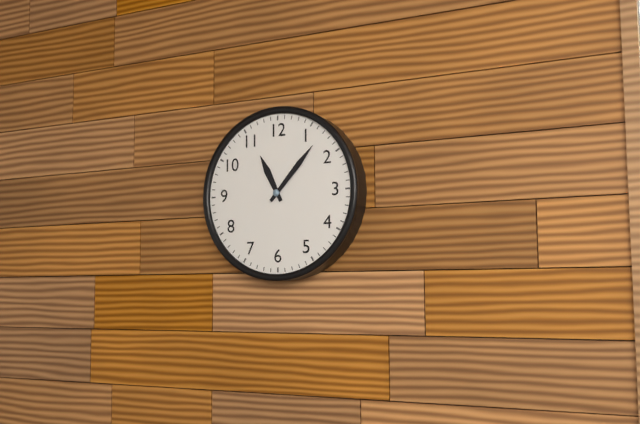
11:07
